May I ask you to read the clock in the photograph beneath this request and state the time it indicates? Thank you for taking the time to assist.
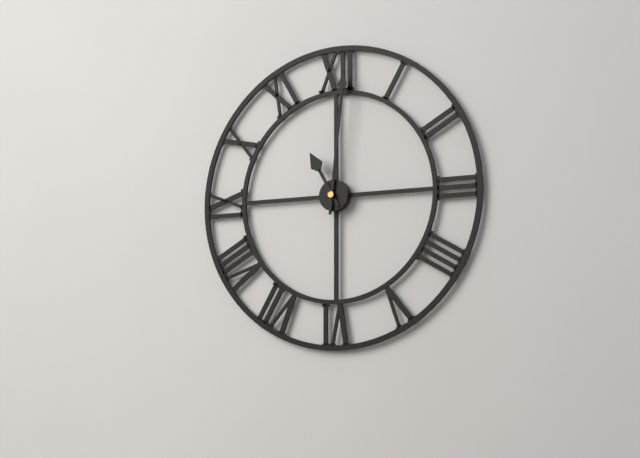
11:01
